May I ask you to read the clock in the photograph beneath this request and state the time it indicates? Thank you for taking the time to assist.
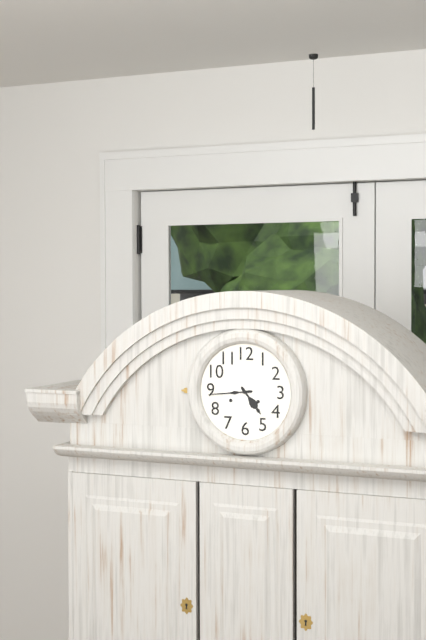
4:44
